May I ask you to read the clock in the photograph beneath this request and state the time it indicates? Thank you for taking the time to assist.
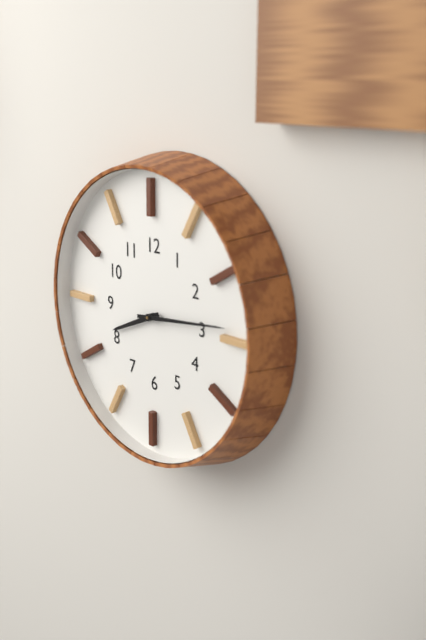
8:14
